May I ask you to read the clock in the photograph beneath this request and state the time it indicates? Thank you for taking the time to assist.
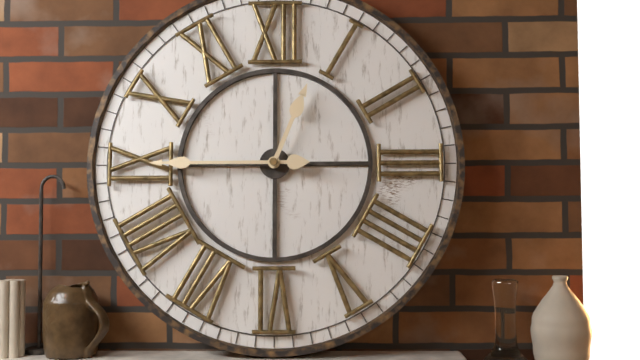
12:45
